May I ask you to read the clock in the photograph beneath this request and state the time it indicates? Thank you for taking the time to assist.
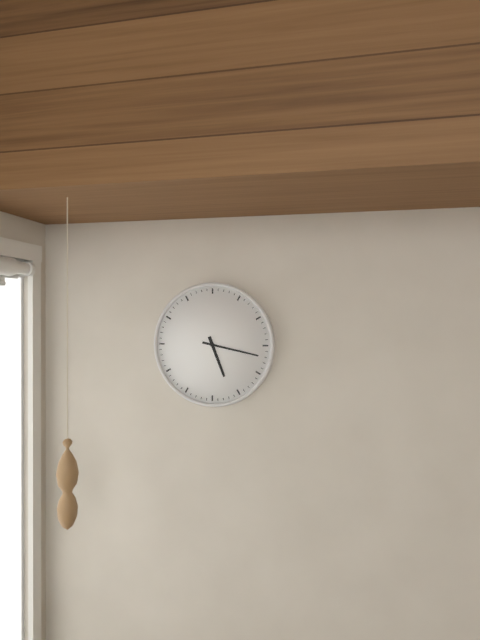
5:17
